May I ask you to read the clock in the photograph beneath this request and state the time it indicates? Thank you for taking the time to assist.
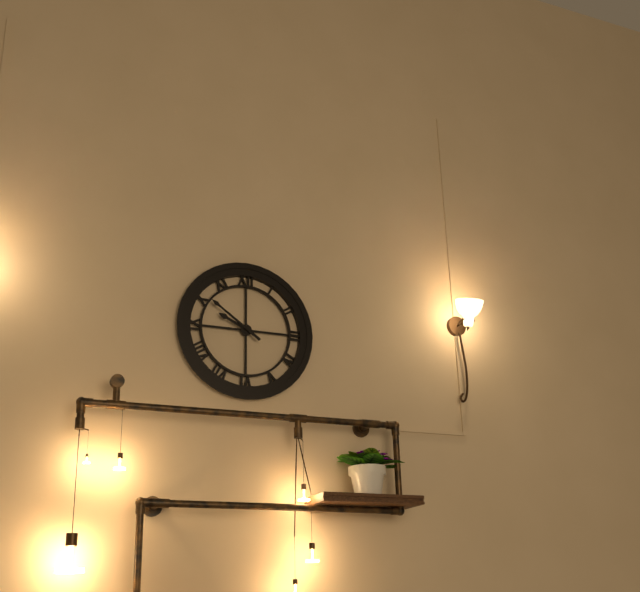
9:51
